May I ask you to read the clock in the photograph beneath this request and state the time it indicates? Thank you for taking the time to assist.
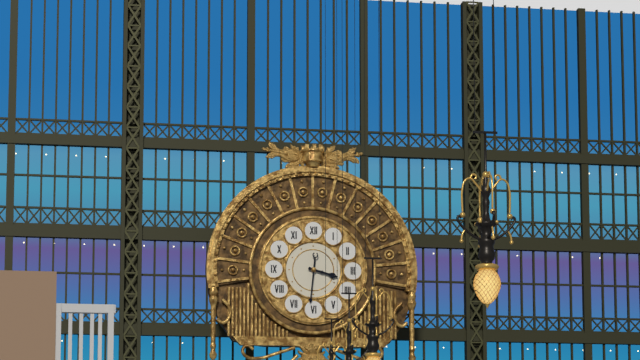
3:31
